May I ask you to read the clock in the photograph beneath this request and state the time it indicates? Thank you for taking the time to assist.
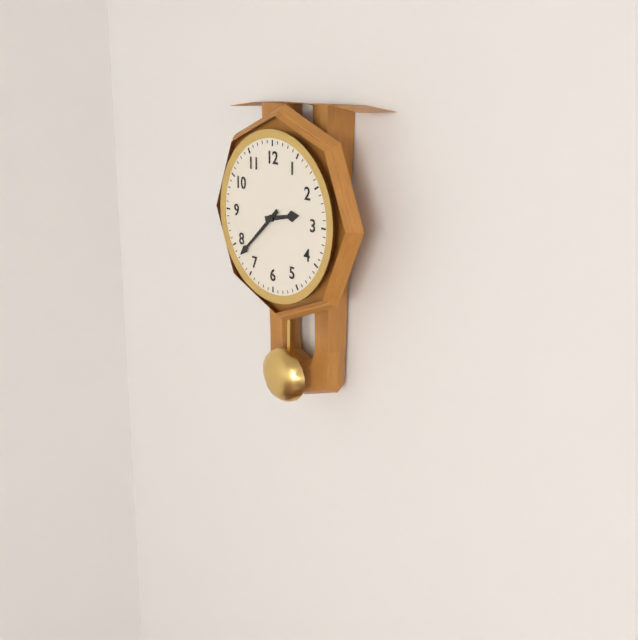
2:38
